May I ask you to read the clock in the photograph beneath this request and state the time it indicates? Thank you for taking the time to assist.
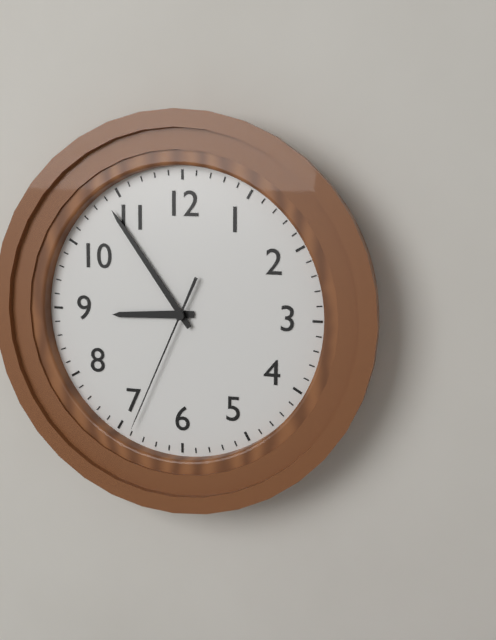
8:54:34
